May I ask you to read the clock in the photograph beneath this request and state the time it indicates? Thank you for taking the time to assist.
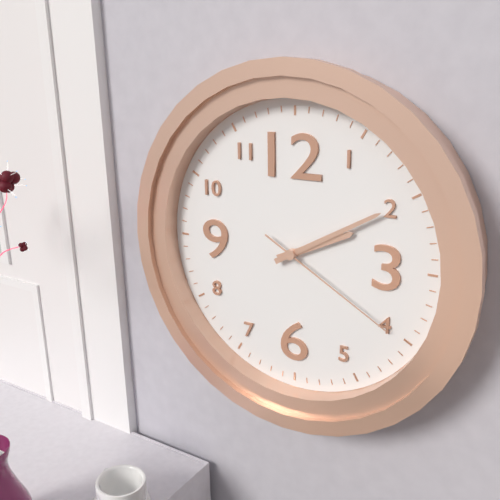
2:10:20
